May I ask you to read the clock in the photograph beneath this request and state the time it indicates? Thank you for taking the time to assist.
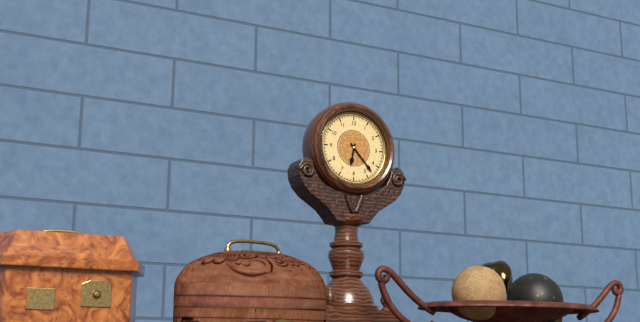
6:23
